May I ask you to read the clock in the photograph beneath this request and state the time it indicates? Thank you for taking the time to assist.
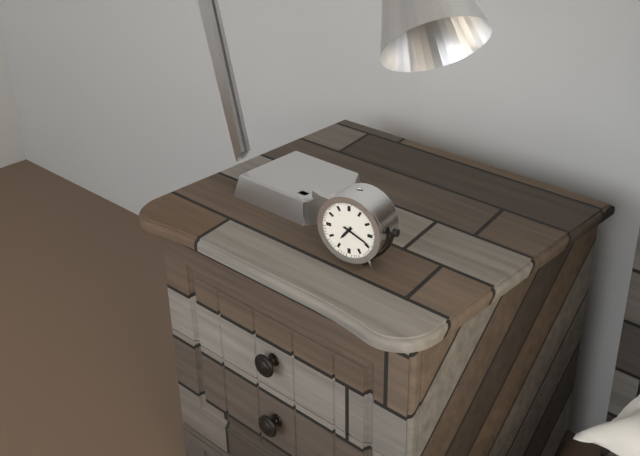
7:19
